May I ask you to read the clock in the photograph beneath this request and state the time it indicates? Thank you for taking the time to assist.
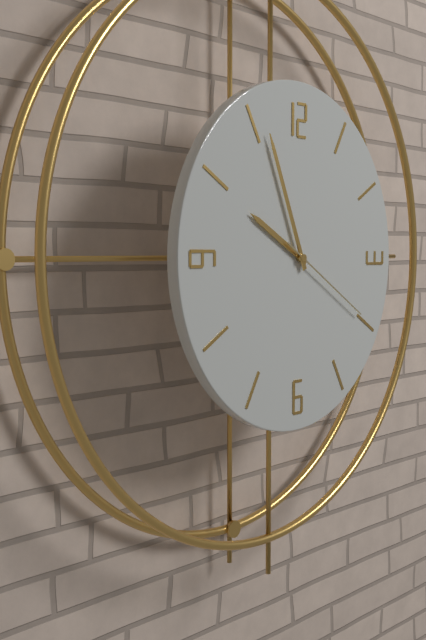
9:56:20
